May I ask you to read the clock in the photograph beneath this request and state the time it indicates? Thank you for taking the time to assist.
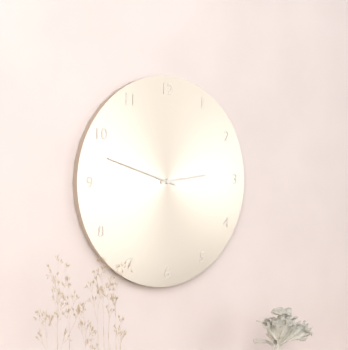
2:48
